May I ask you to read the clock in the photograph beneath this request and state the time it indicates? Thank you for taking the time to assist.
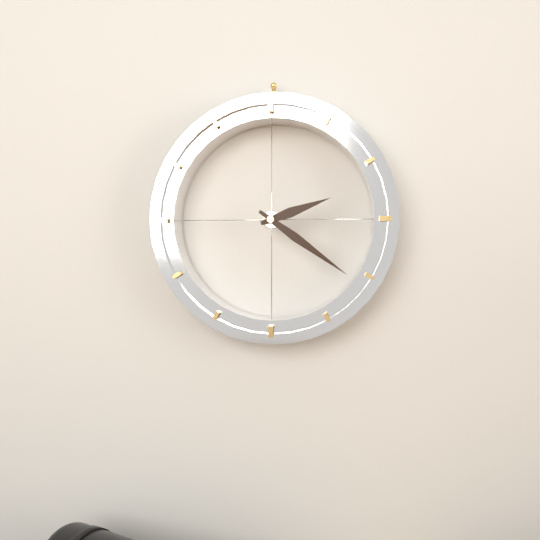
2:21
